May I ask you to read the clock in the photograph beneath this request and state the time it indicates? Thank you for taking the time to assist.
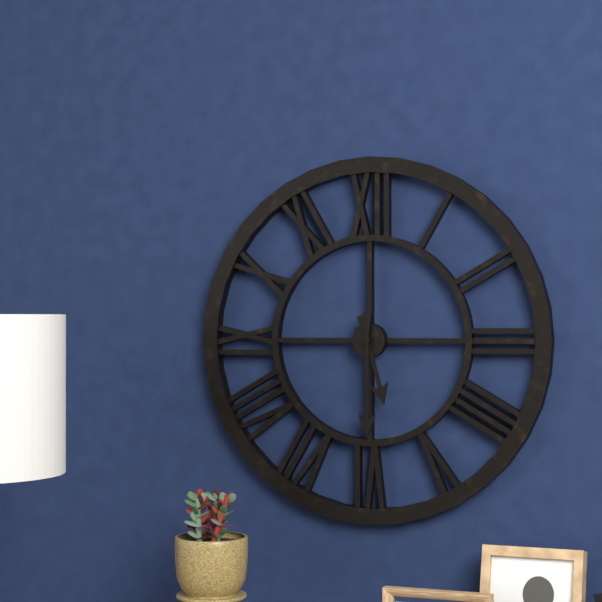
5:30
